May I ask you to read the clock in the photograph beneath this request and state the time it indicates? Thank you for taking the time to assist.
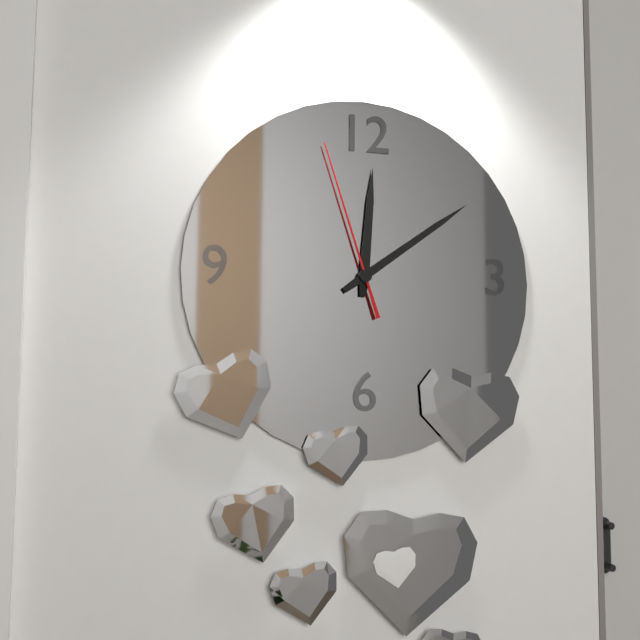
12:09:57
